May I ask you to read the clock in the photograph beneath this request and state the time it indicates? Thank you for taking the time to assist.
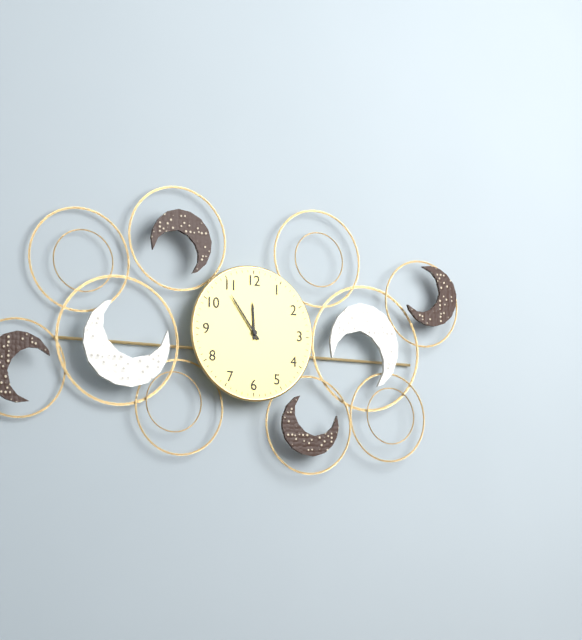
11:54
